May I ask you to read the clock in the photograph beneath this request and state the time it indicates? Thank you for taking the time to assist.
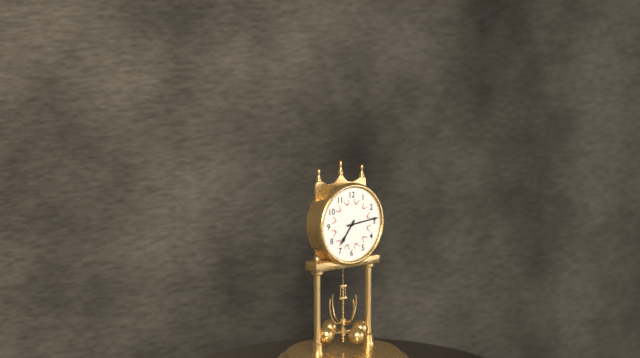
7:14
